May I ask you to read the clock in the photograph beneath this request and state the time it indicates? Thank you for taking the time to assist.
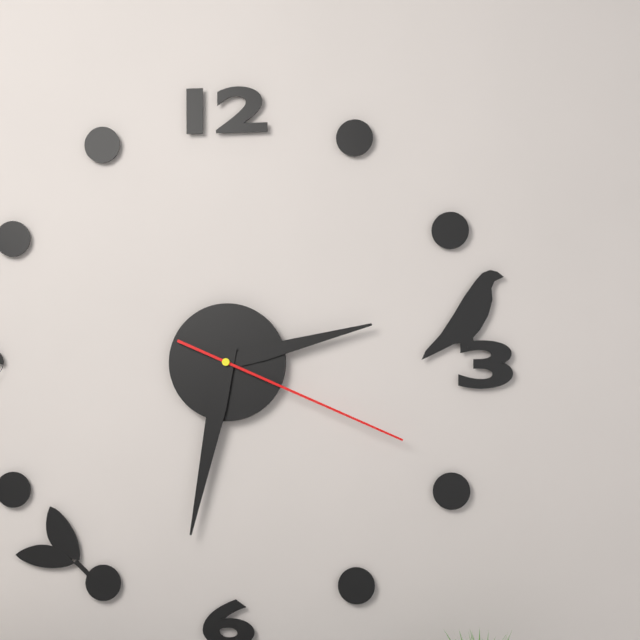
2:32:19
